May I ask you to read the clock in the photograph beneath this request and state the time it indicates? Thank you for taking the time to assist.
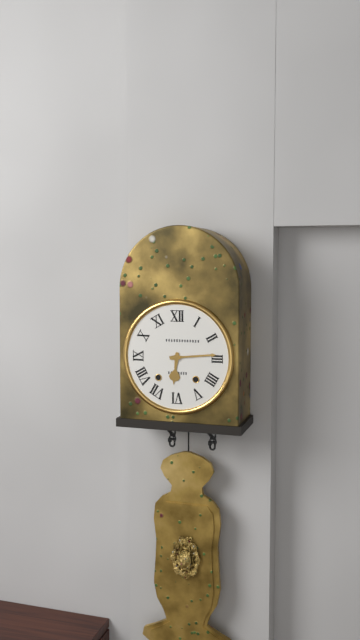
6:14
